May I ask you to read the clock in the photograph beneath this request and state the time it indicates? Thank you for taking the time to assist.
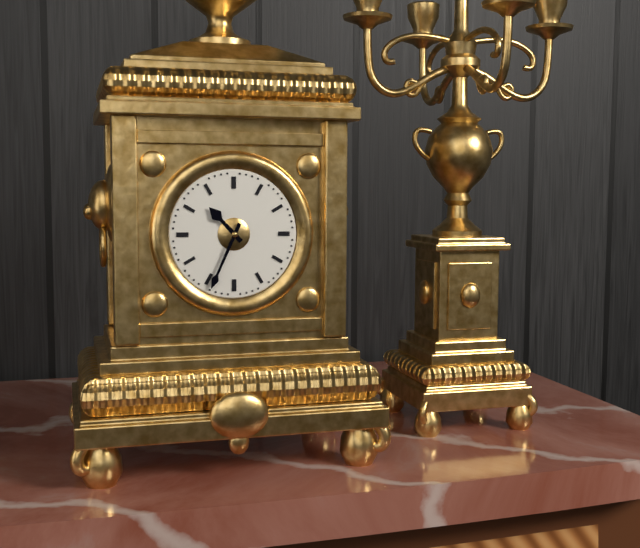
10:34
